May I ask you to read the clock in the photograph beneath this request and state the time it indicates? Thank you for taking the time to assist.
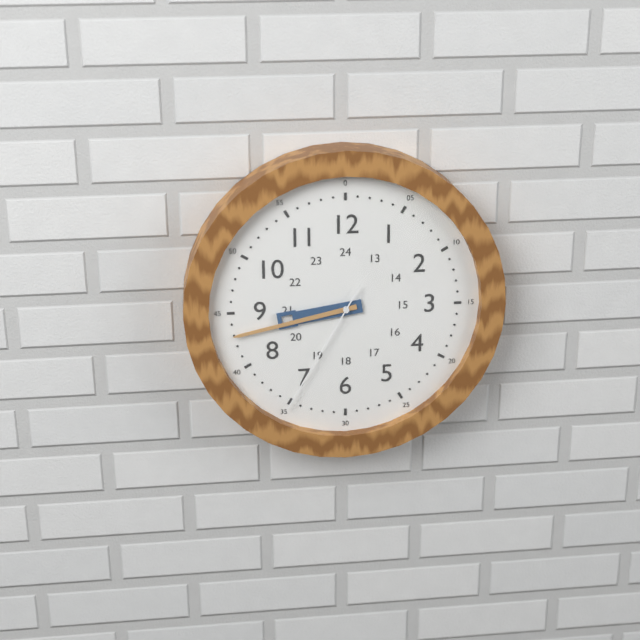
8:43:35
